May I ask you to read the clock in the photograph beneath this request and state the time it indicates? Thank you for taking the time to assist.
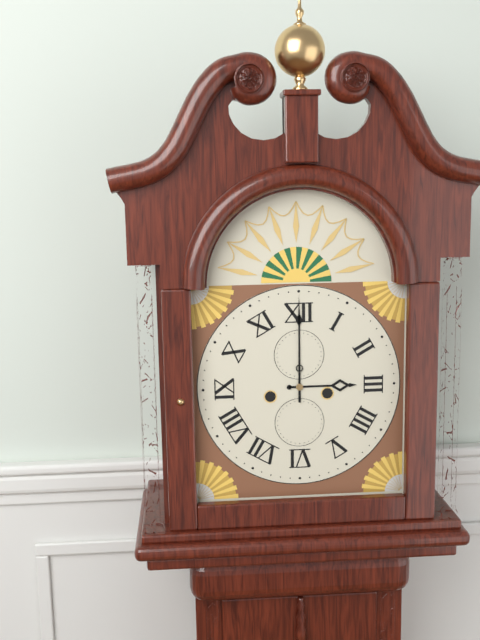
3:00
